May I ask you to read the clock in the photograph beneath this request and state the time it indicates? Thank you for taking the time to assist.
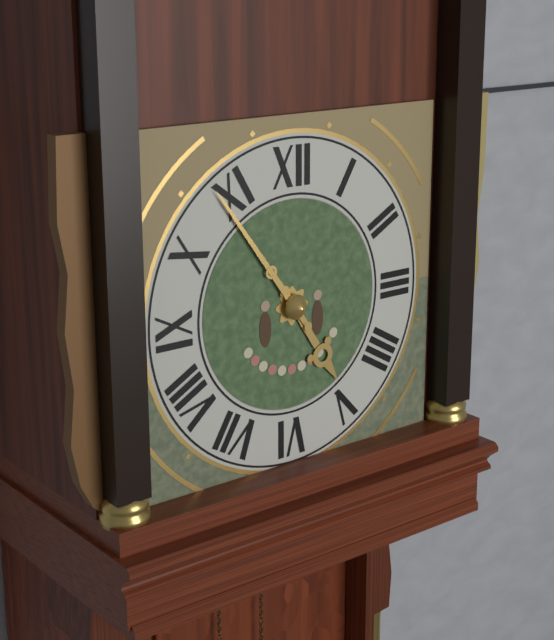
4:54
